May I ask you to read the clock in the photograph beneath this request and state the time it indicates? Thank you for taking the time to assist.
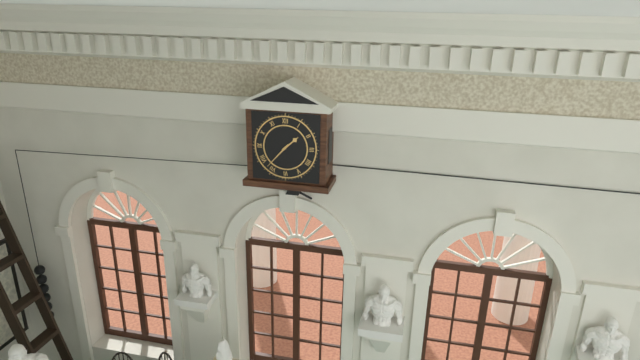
1:37
